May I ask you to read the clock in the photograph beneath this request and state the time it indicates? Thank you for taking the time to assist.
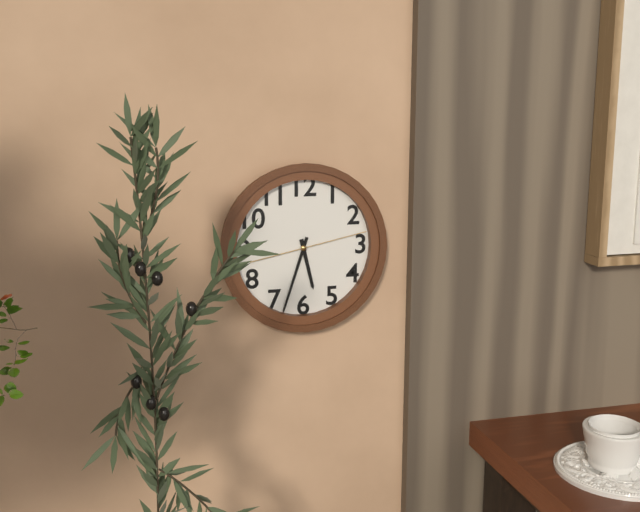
5:33:13
